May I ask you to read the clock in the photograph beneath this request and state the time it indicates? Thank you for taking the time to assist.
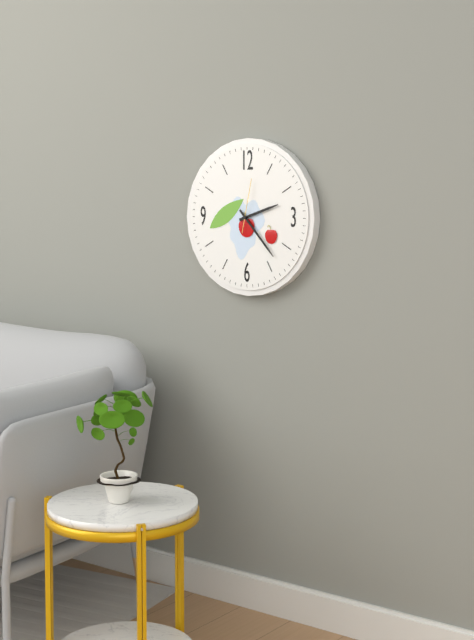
2:23
